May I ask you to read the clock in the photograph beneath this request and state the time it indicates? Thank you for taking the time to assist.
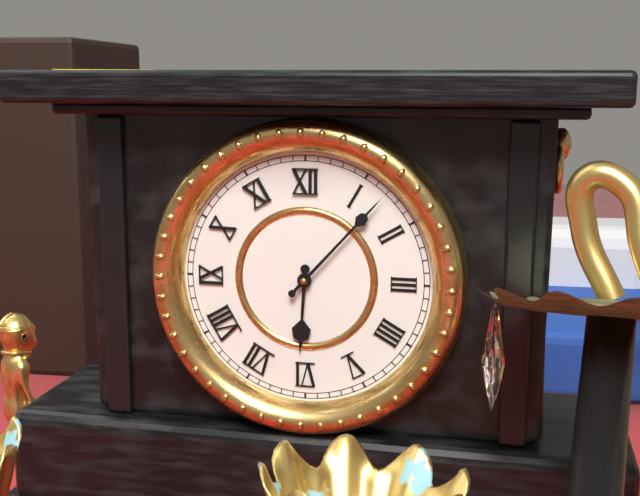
6:07
